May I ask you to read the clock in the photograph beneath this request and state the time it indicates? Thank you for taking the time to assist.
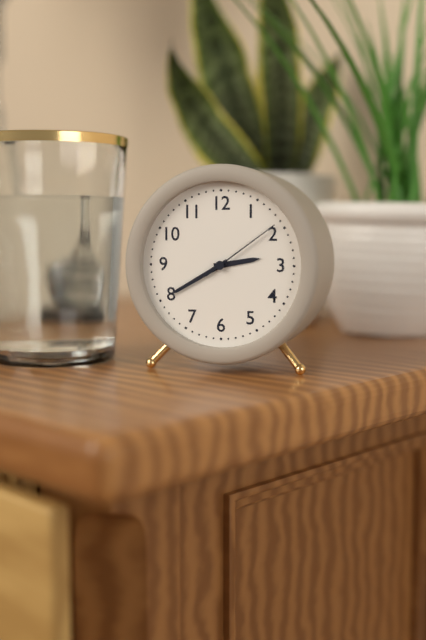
2:40:09
